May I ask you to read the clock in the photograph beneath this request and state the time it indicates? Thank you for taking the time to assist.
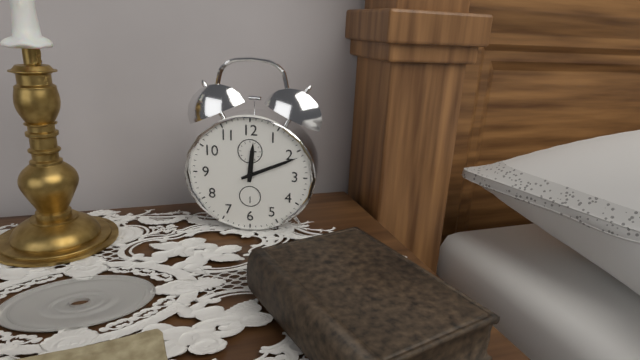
12:11
